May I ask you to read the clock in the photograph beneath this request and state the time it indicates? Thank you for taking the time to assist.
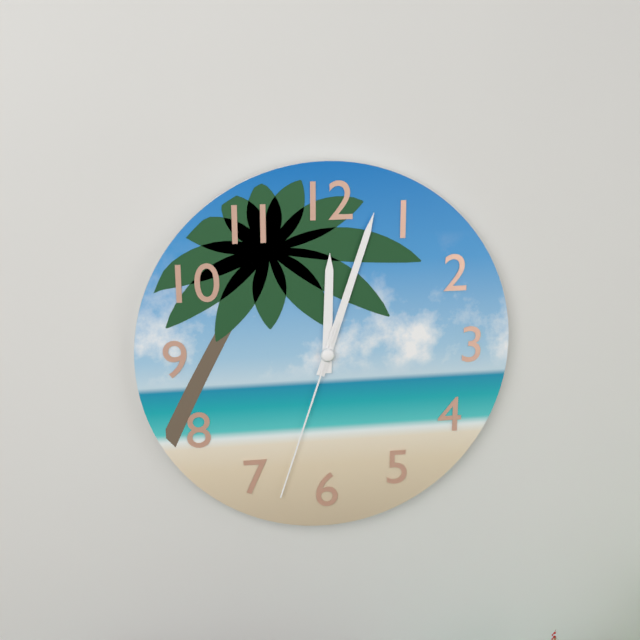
12:03:33
